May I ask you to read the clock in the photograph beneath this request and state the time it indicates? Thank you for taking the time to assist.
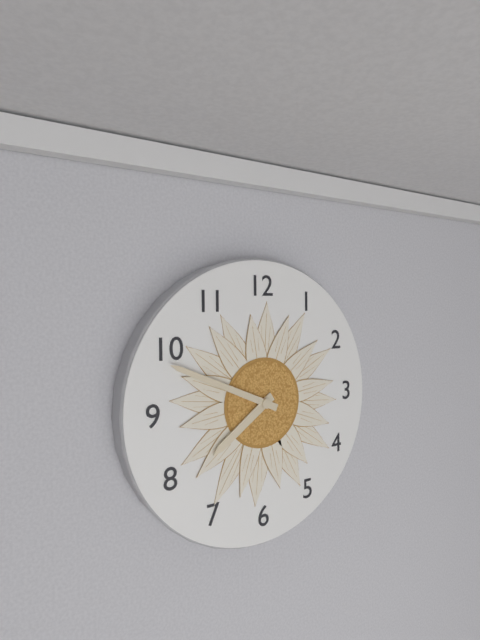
7:49
